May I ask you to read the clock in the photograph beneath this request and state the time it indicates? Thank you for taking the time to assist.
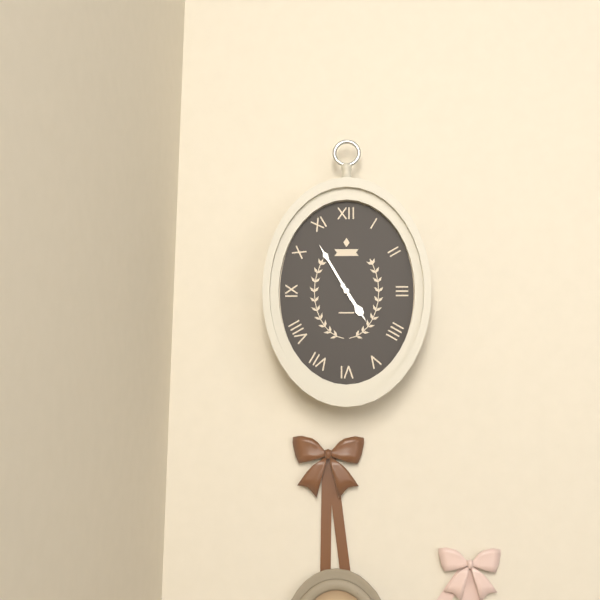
4:55
